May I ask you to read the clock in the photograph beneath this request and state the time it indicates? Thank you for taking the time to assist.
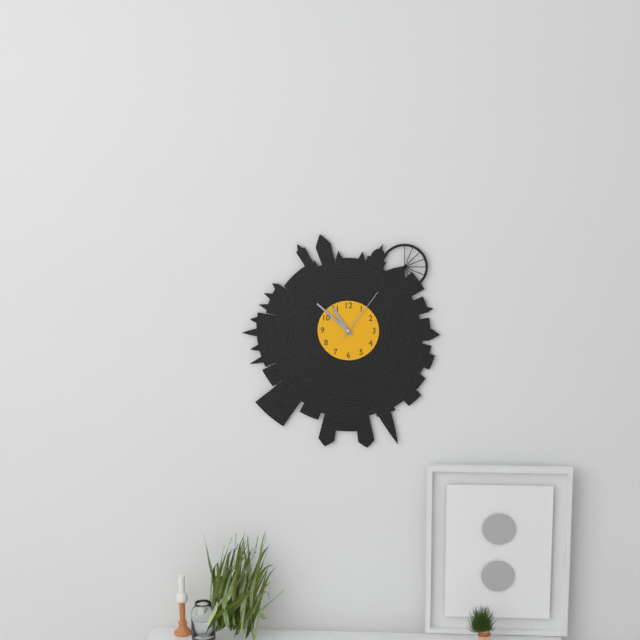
10:52:06
